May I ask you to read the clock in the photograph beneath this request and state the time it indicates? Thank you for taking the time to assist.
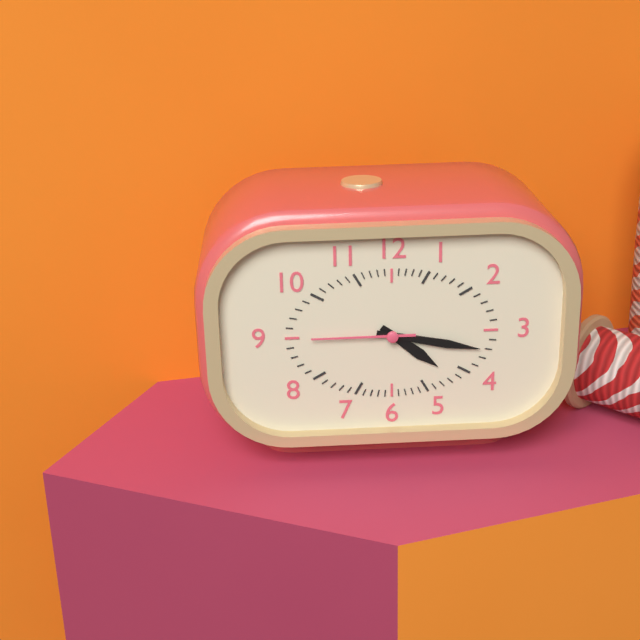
4:17:45
